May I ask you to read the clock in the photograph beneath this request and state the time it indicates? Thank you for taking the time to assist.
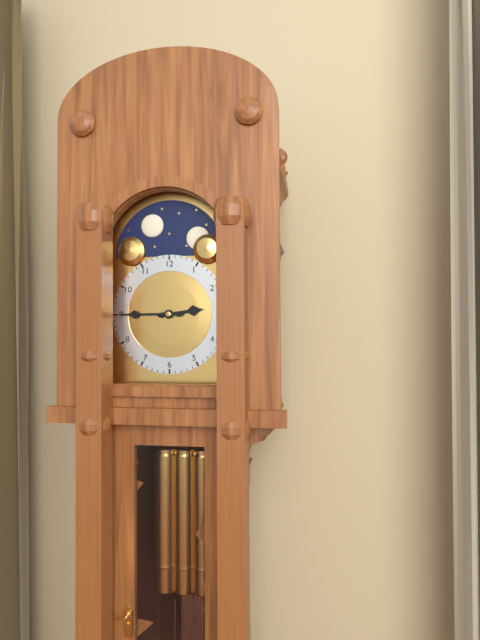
2:45
